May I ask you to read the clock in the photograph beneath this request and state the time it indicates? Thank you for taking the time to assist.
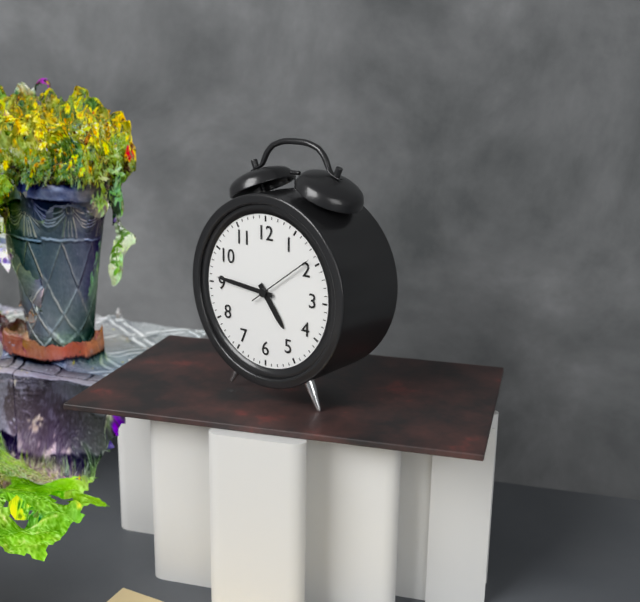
4:46:09
